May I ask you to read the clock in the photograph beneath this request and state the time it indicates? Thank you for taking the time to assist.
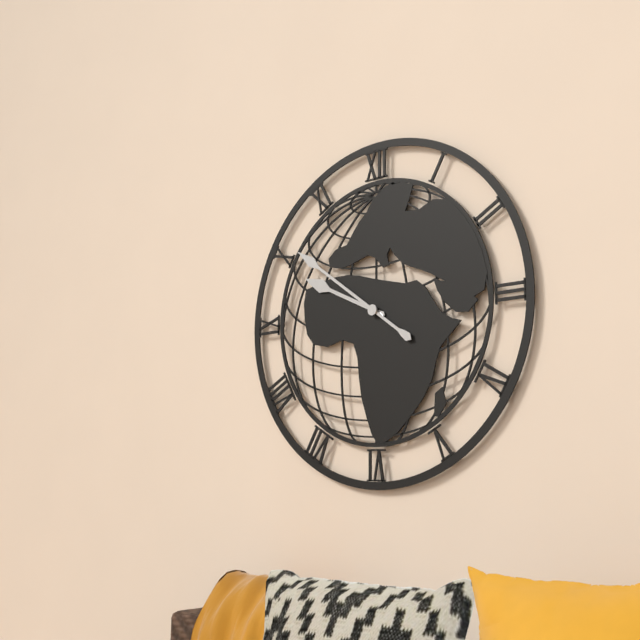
9:51
